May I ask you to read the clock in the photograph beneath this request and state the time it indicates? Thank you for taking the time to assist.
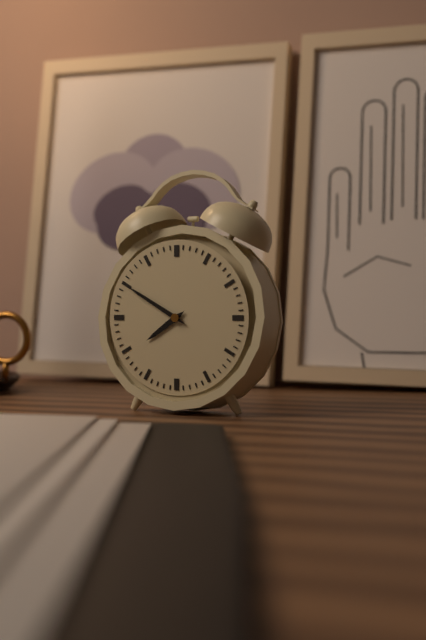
7:50
